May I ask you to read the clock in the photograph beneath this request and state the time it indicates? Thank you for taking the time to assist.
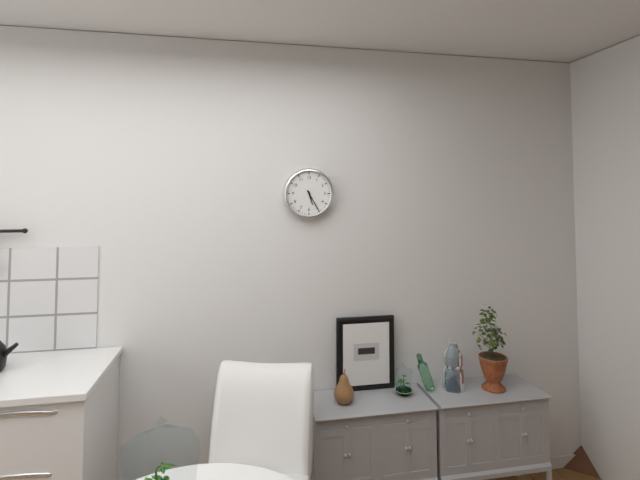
5:25
